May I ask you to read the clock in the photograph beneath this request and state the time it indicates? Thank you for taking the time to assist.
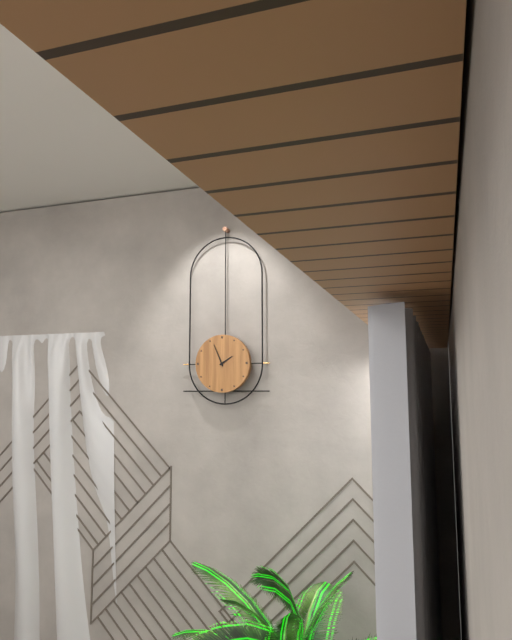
1:56
